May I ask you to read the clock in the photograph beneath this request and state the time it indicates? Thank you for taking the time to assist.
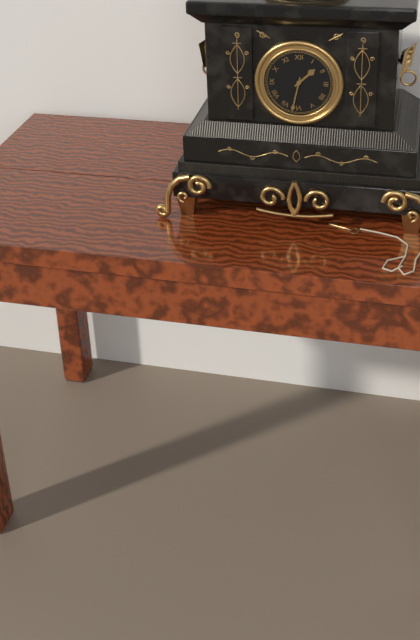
1:32
